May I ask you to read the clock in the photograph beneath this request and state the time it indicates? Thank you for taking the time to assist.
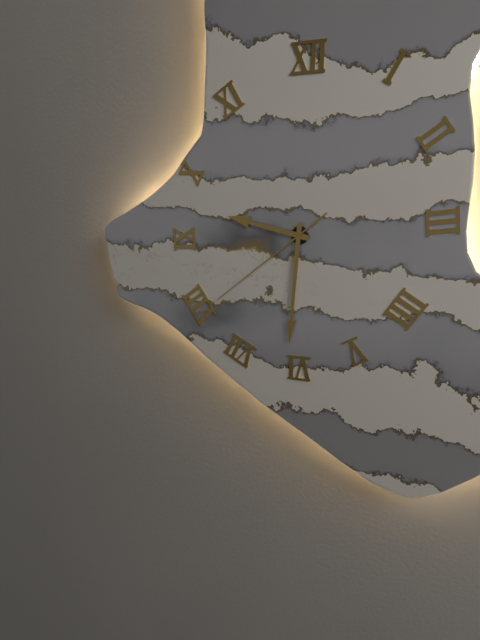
9:31:39
